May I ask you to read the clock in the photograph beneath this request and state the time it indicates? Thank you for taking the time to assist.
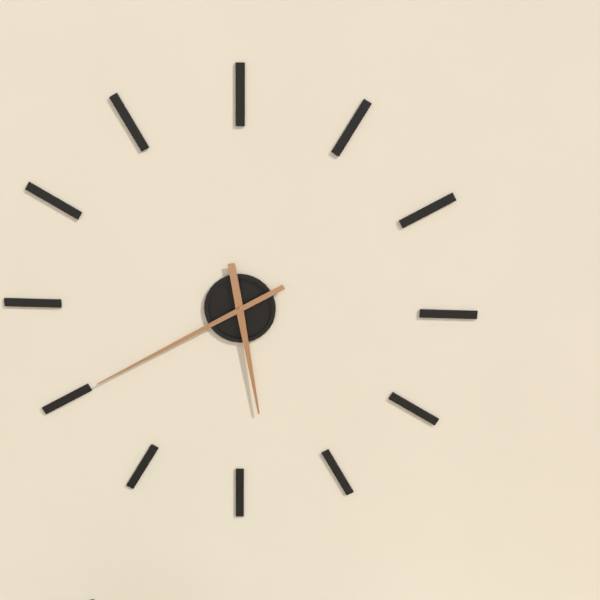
5:40
